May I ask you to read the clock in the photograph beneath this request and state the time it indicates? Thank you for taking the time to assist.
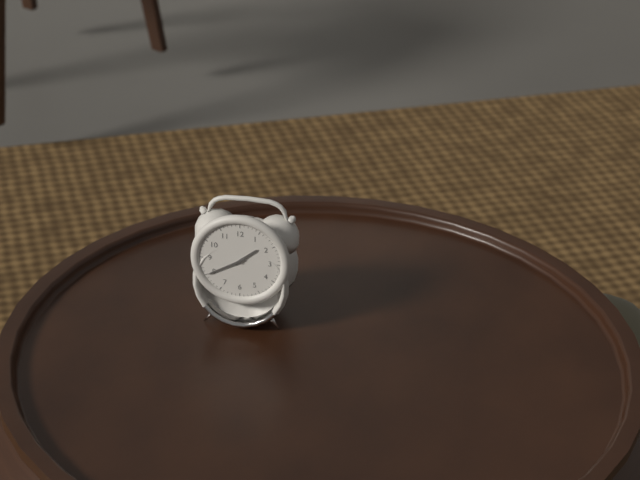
1:40
